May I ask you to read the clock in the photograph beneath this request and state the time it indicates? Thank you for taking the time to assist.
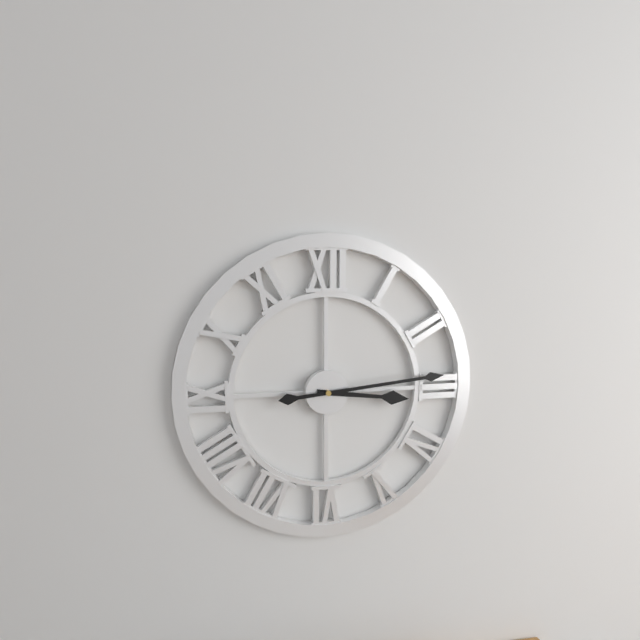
3:14
